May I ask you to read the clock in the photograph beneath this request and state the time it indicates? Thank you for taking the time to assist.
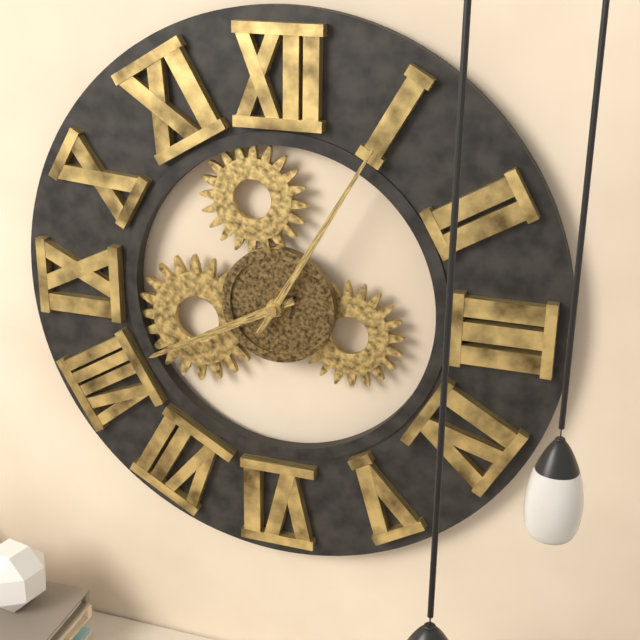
8:05
